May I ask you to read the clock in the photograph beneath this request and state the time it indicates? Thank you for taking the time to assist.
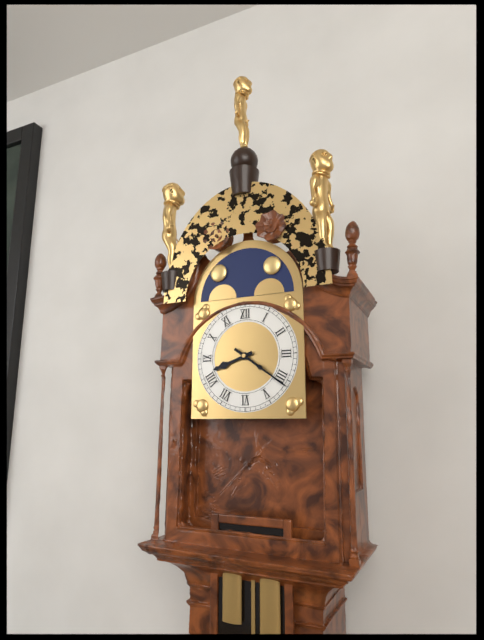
8:21
